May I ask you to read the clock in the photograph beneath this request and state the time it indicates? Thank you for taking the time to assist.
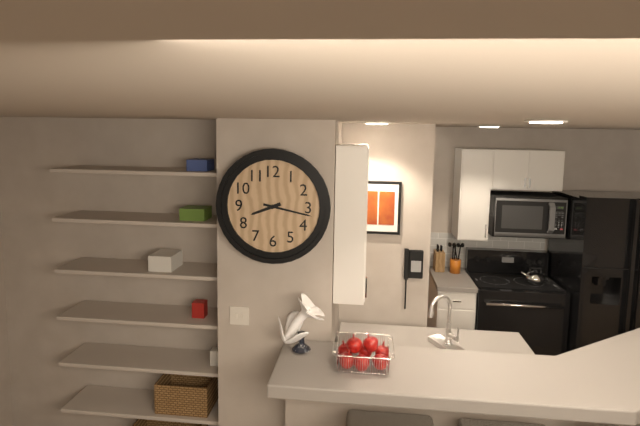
8:17
